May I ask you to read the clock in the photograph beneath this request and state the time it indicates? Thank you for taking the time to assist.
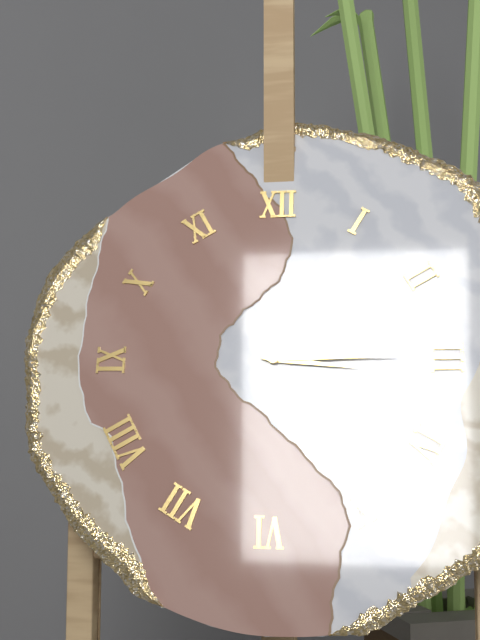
3:15
